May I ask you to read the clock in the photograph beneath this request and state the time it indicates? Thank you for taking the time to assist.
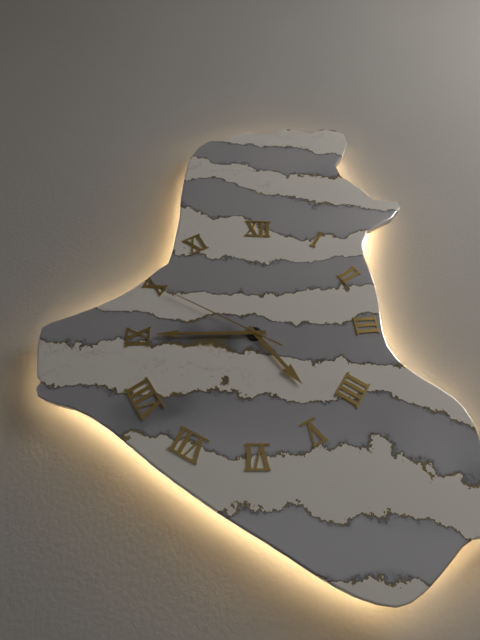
4:45:50
